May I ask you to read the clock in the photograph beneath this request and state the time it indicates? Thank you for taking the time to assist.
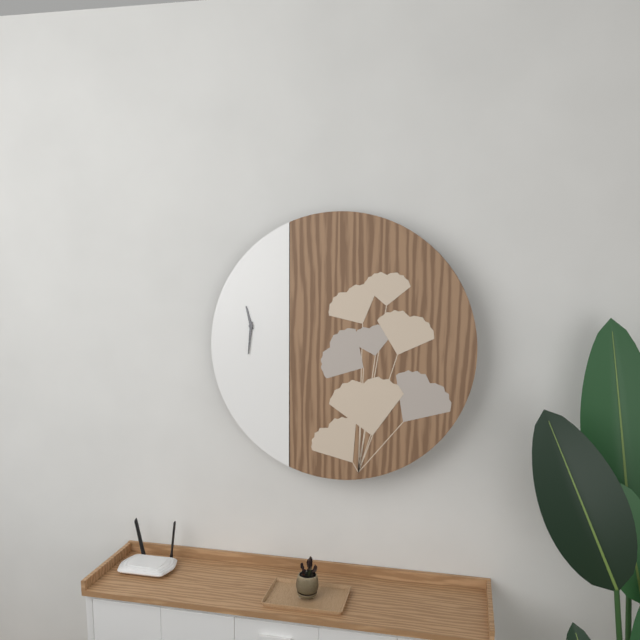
11:31
